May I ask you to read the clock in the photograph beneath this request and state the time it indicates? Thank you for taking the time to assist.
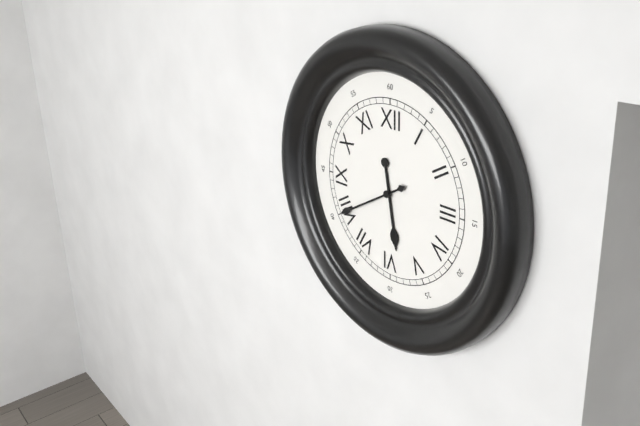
5:40
